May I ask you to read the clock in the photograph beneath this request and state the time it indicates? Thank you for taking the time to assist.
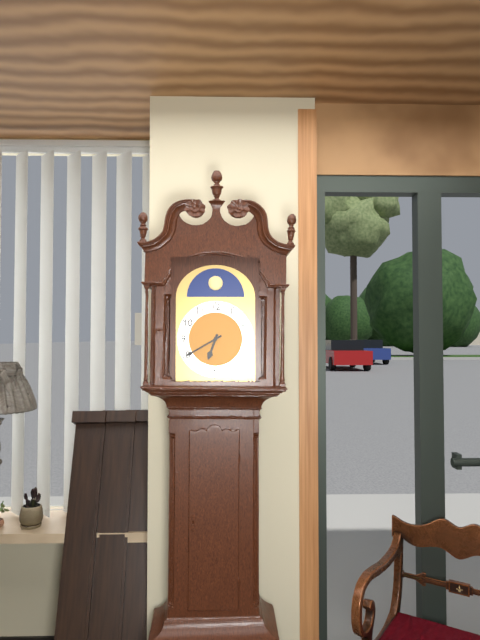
6:40
